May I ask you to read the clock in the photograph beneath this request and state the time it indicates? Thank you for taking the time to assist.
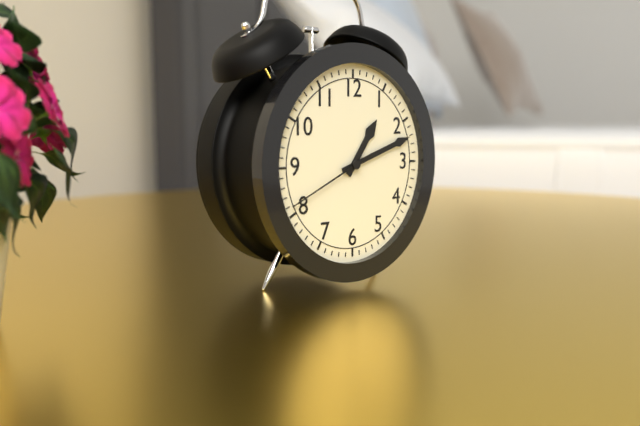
1:12:41
